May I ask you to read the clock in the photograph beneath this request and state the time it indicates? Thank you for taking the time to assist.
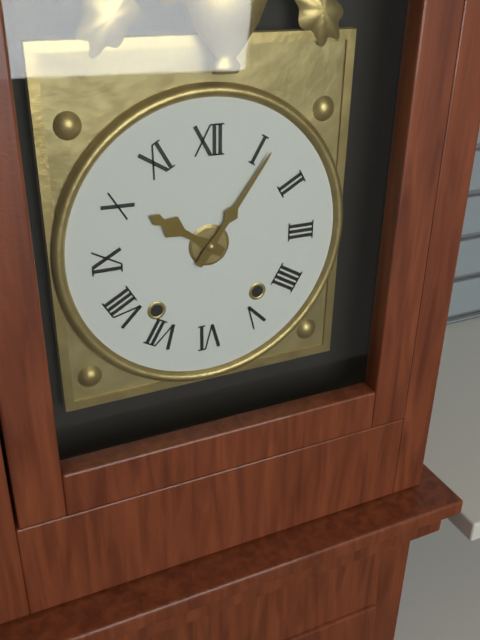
10:06
